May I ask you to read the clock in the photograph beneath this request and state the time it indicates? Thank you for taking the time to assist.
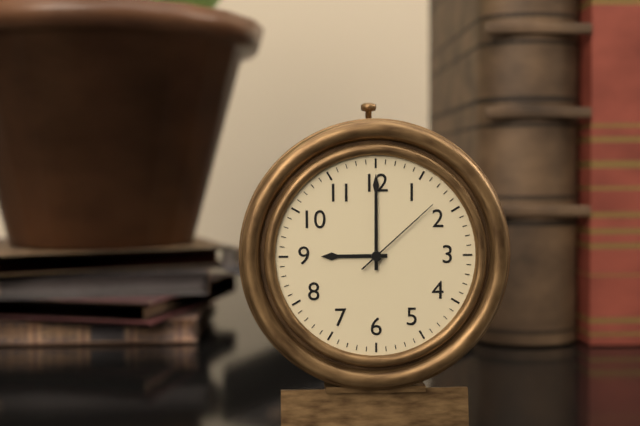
9:00:08
